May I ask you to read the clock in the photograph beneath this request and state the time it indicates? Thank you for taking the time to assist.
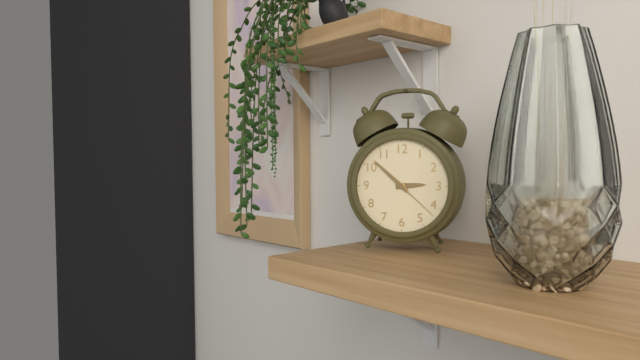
2:52:22
